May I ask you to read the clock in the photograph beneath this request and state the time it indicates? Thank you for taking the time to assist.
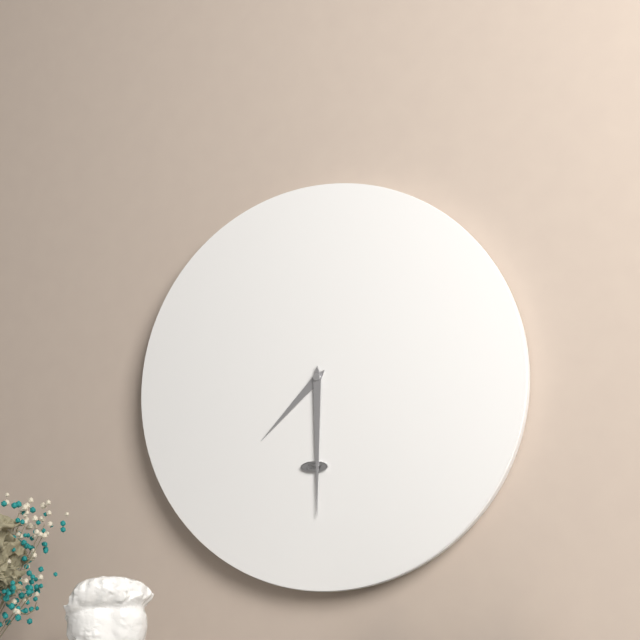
7:30
